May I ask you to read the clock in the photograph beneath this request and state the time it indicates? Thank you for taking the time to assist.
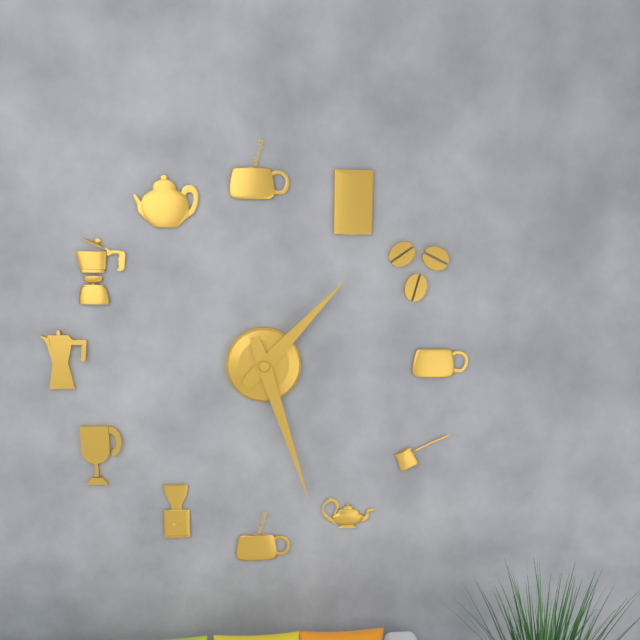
1:27
